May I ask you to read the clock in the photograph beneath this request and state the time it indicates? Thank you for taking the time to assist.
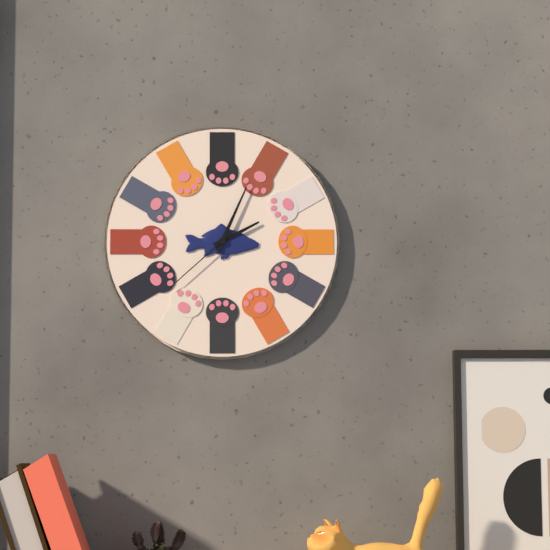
2:04:38
